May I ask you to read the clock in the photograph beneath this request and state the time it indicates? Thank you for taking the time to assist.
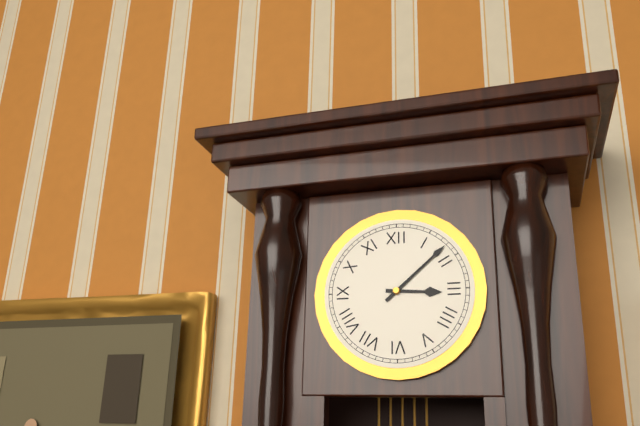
3:08
